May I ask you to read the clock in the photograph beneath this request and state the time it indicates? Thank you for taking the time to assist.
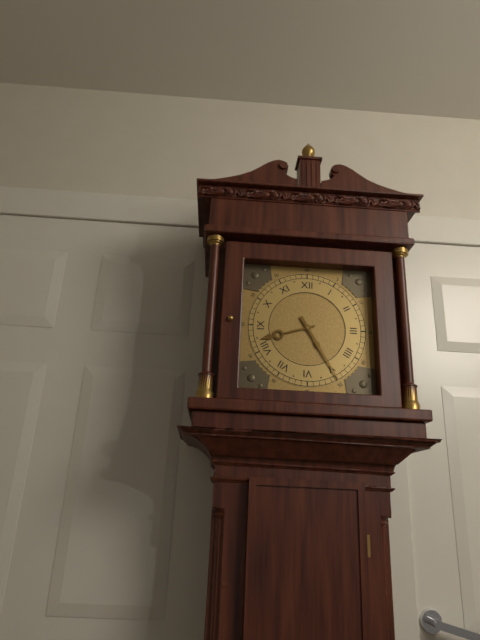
8:25
